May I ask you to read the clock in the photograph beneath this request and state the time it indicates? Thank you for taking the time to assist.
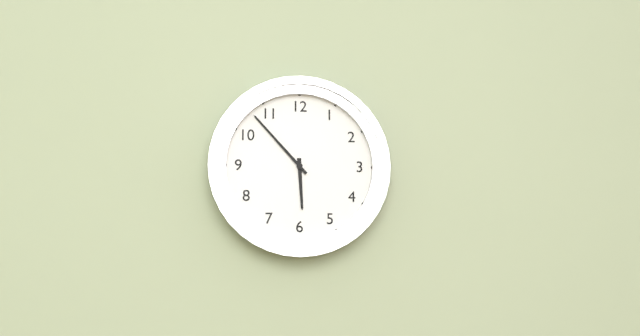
5:53
